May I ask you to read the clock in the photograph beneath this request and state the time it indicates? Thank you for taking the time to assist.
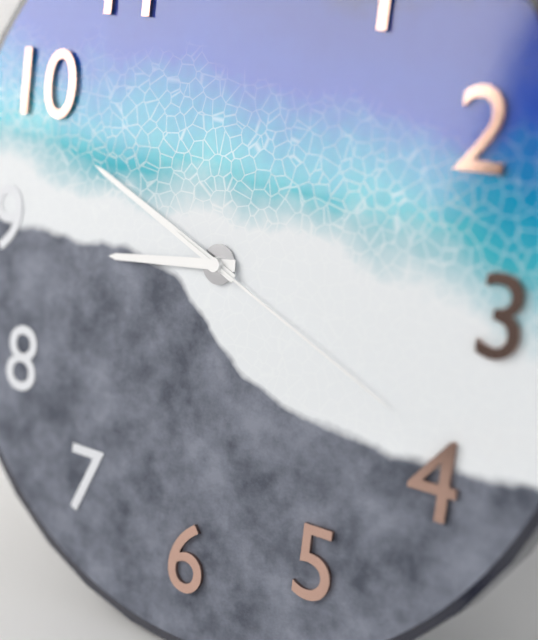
8:49:19
